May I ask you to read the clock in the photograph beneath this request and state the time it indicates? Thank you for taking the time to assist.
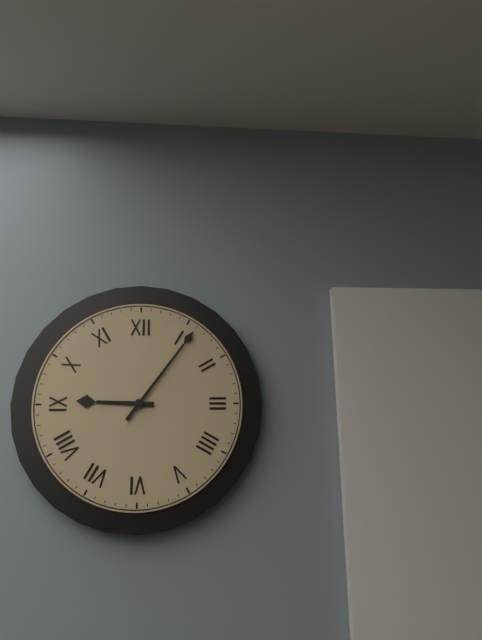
9:06
